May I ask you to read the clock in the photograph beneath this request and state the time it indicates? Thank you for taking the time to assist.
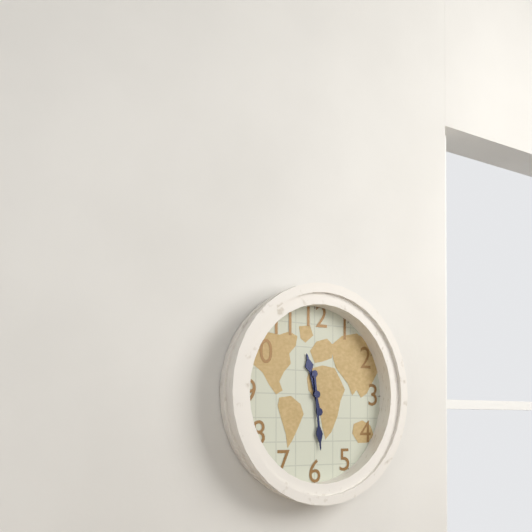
11:29
